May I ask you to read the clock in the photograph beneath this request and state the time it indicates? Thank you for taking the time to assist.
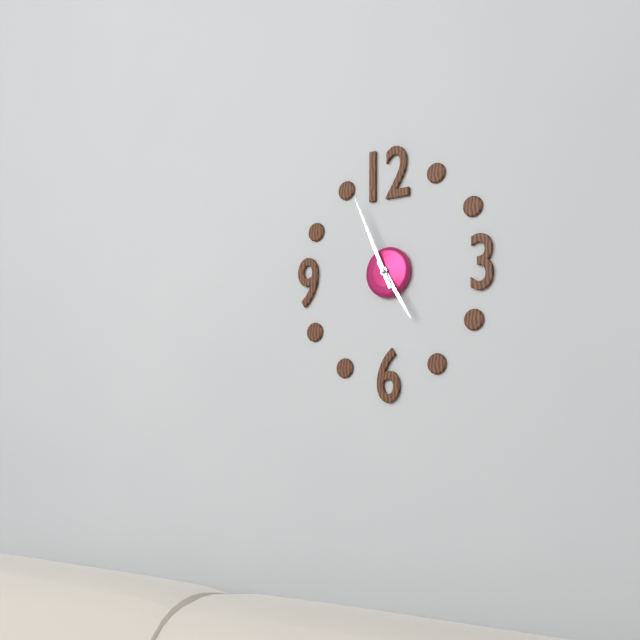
4:56
